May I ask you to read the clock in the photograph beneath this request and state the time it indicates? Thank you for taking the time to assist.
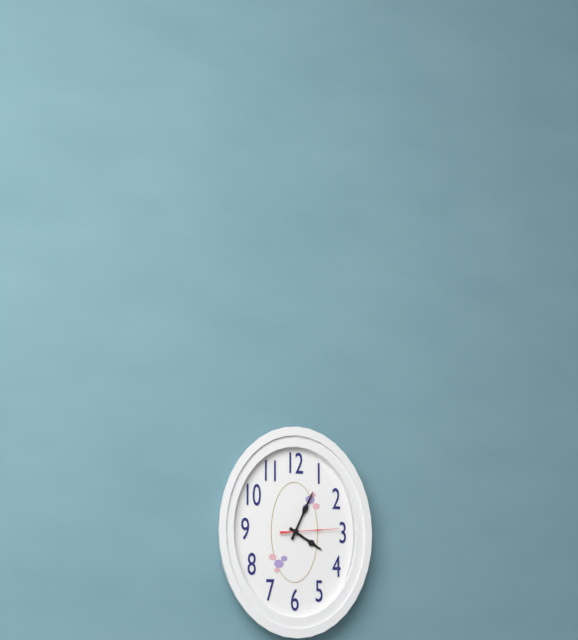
4:04:14
